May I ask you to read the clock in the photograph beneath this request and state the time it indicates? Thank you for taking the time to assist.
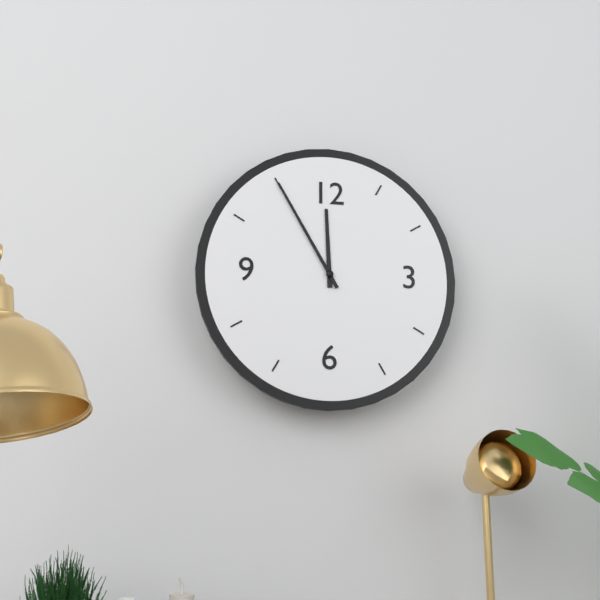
11:55
